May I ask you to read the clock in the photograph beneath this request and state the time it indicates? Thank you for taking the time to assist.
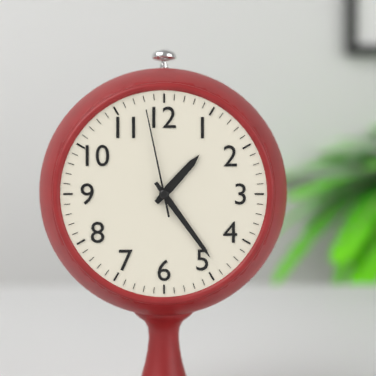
1:24:58
